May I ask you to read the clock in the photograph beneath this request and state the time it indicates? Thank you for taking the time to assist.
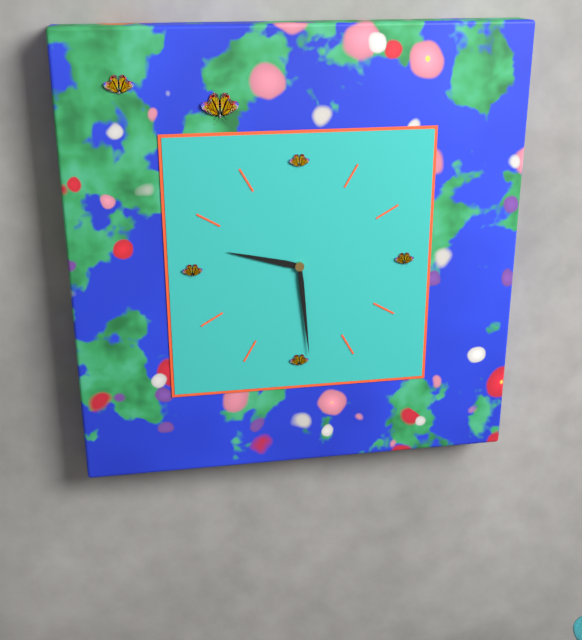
9:29
